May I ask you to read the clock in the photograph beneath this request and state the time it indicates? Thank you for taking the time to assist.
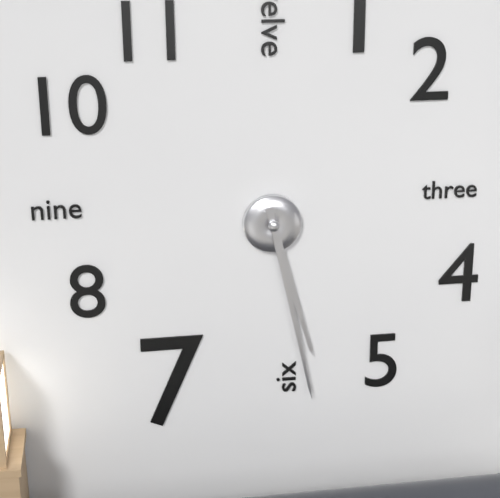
5:28
